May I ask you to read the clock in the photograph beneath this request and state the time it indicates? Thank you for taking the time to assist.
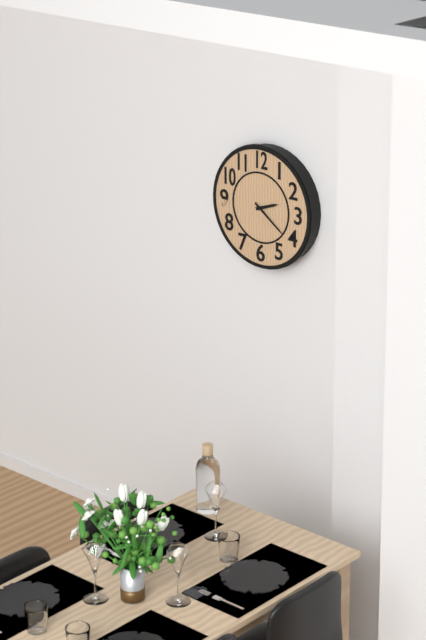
2:21
